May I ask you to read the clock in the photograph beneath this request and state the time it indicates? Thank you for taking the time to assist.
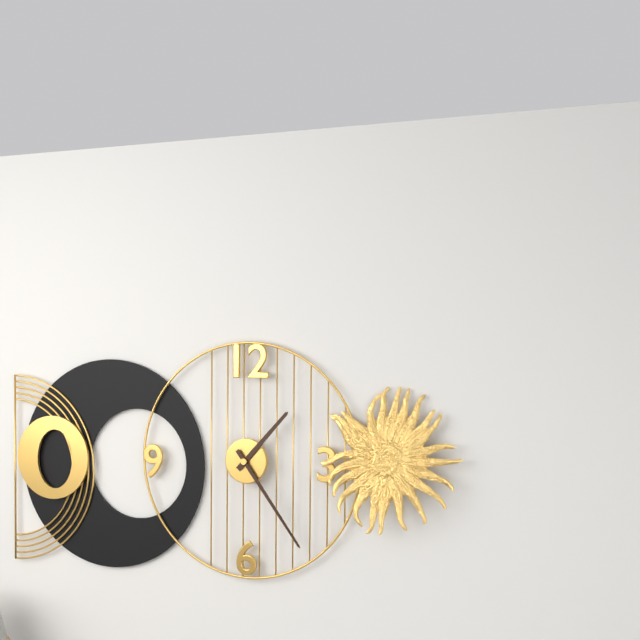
1:24
